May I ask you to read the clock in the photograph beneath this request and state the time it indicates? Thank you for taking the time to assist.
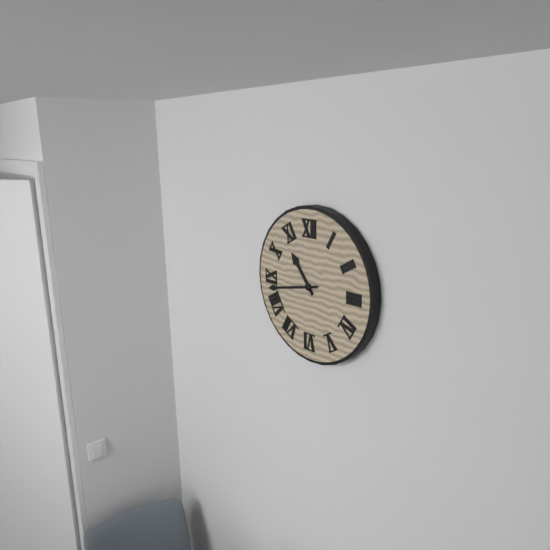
10:43
